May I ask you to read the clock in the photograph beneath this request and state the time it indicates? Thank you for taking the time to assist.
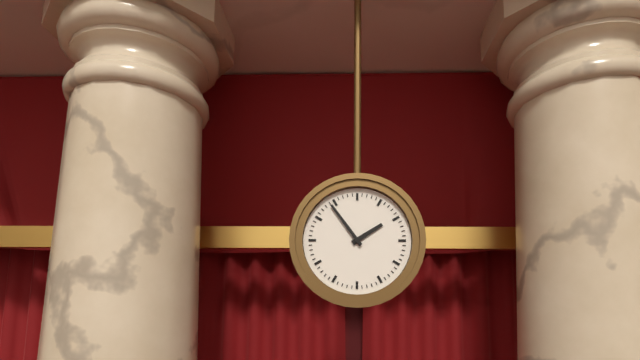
1:54
